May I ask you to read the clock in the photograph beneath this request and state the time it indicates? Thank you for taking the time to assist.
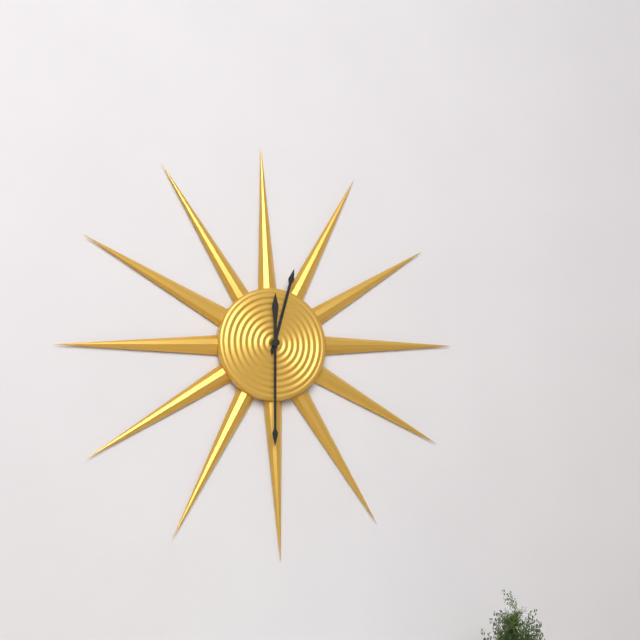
12:30
